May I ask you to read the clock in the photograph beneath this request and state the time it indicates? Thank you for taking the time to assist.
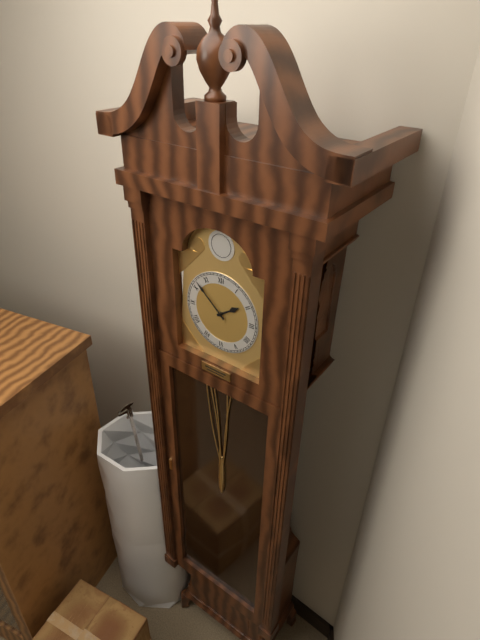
1:52
